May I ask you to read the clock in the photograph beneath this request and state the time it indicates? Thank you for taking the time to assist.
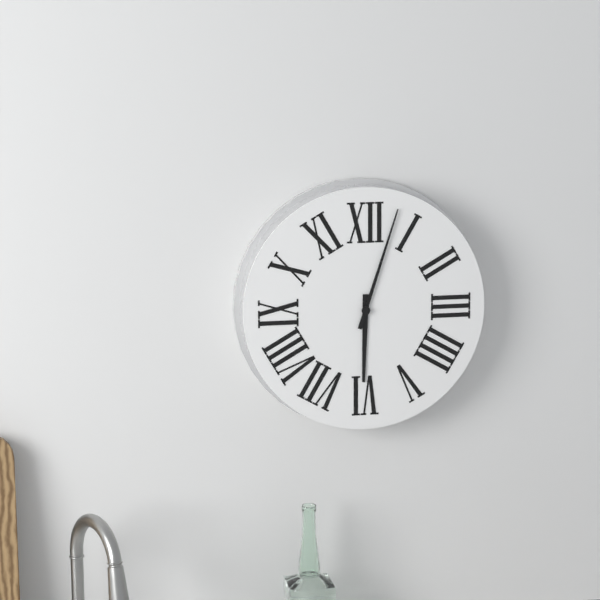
6:03
